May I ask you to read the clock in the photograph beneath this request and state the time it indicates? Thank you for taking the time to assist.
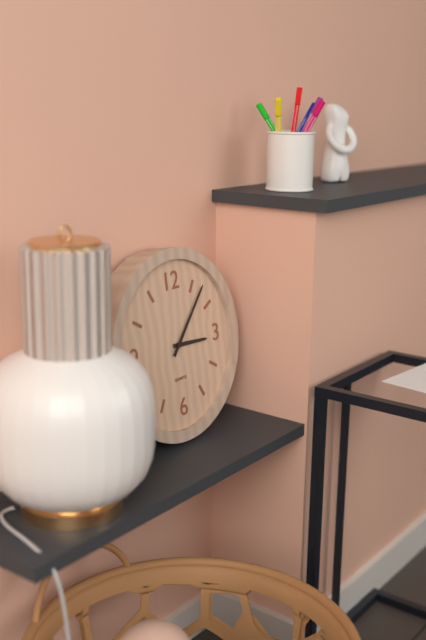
3:07
